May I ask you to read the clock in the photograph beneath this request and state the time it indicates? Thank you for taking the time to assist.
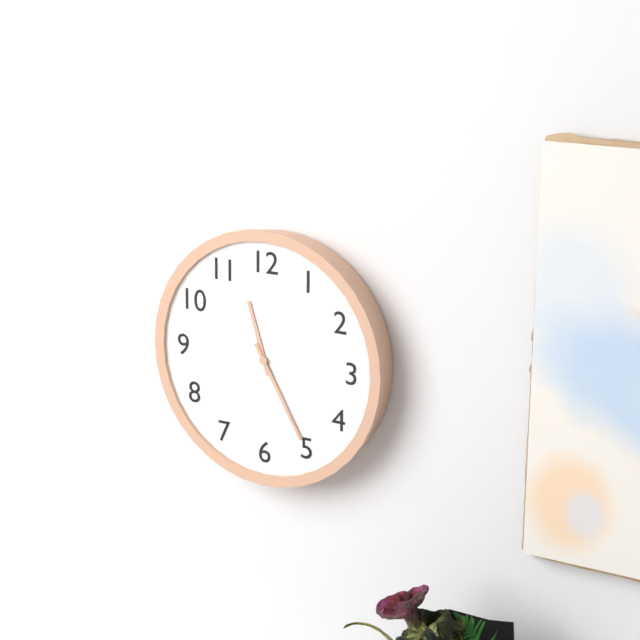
11:25
